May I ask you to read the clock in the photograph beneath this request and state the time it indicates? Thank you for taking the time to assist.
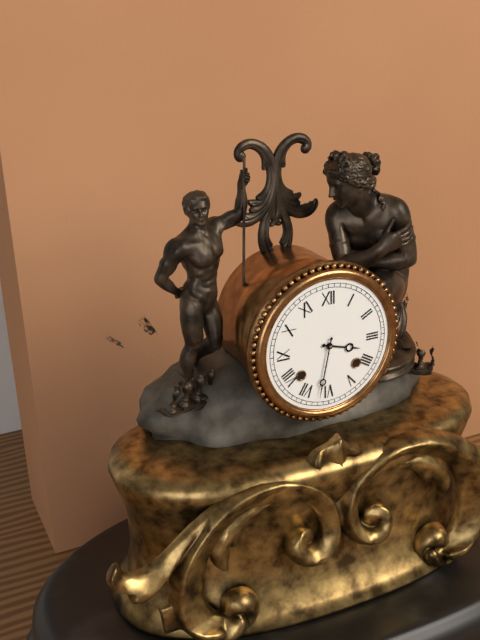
3:32
